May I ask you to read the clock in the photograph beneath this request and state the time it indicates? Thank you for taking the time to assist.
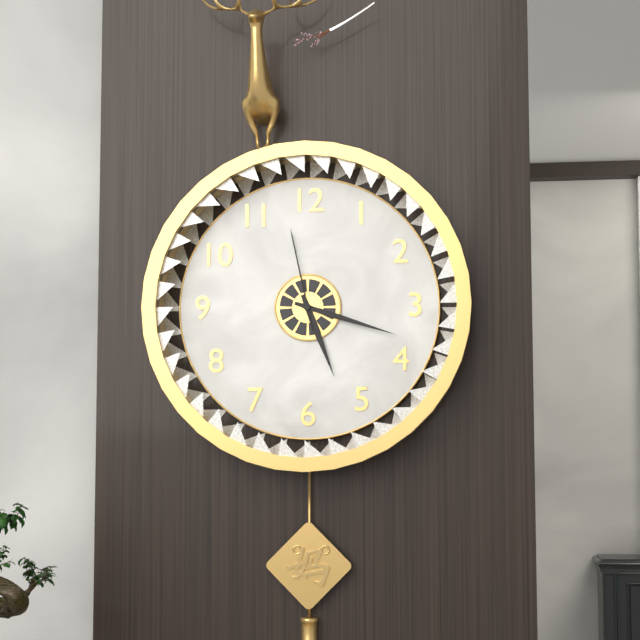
5:18:58
